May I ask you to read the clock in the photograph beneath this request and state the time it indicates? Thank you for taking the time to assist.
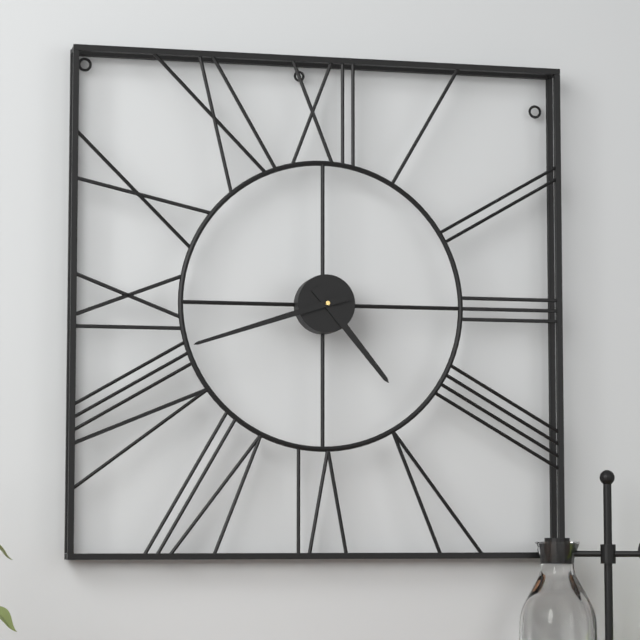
4:42
